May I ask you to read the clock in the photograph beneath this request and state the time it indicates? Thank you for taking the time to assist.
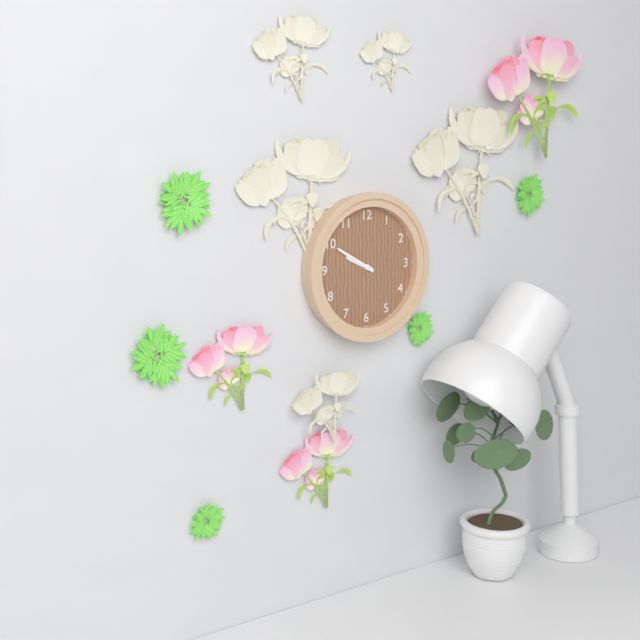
9:50
